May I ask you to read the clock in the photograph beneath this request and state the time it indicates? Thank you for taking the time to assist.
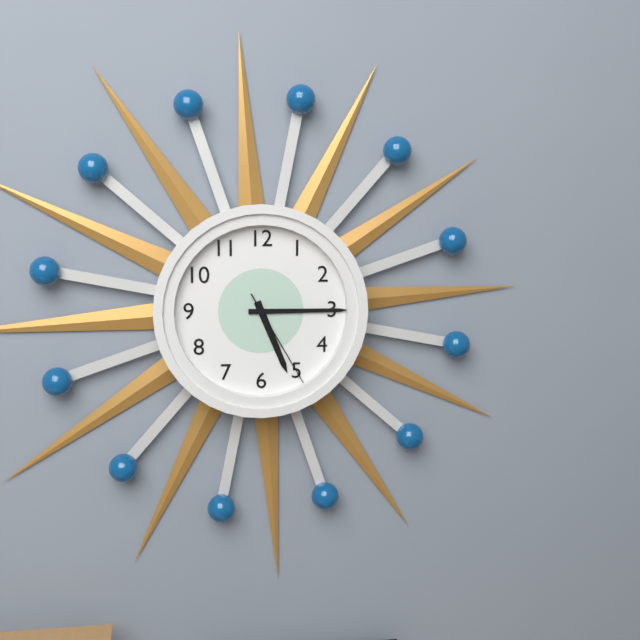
5:15:25
